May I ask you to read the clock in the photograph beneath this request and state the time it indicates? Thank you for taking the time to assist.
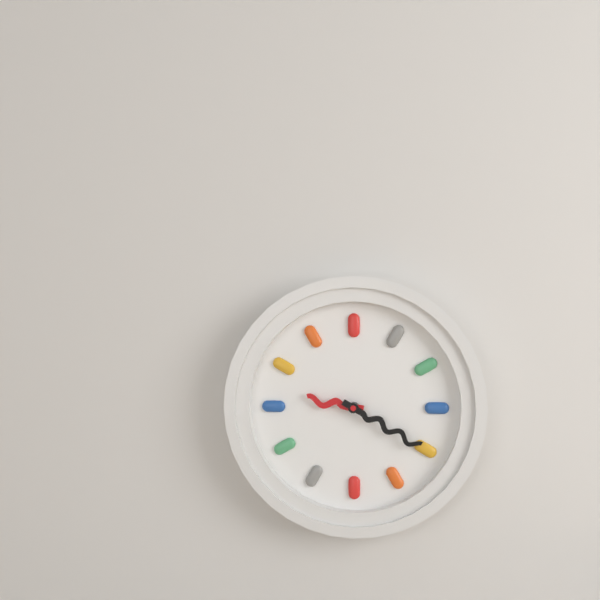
9:20
